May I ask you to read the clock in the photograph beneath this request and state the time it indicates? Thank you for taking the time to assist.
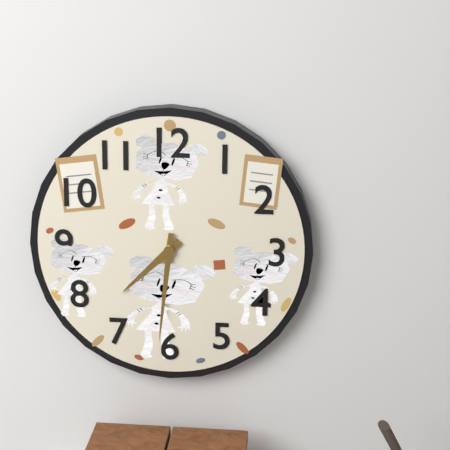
7:31
